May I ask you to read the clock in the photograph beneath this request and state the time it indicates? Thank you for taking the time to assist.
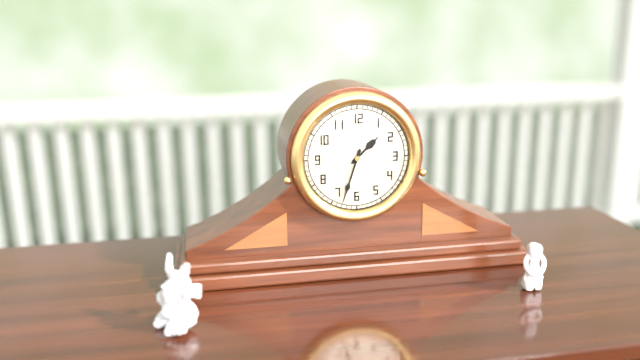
1:33
